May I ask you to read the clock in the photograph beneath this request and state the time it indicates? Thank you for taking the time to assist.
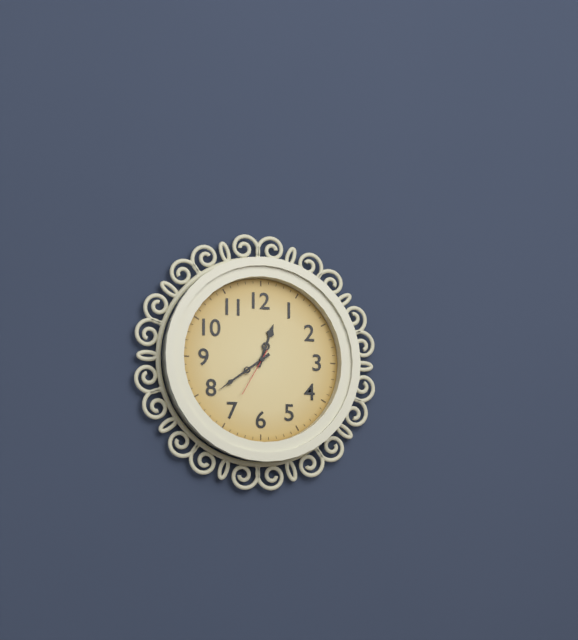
12:39
